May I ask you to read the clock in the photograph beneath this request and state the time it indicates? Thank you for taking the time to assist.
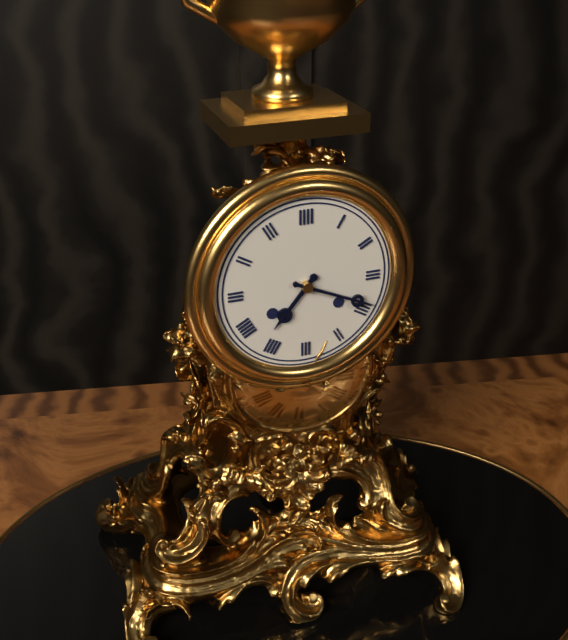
7:19
